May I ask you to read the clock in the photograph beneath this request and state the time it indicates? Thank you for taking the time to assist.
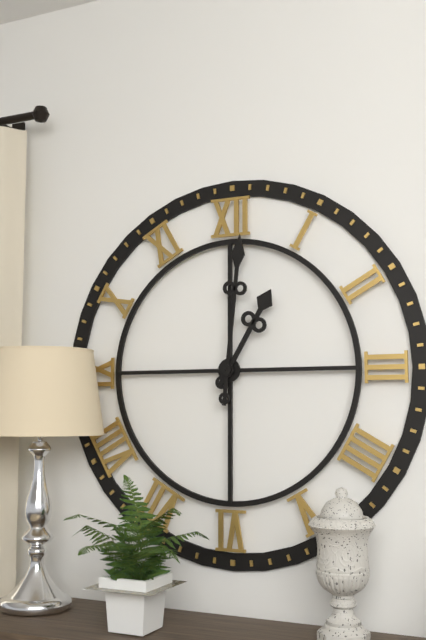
1:01
